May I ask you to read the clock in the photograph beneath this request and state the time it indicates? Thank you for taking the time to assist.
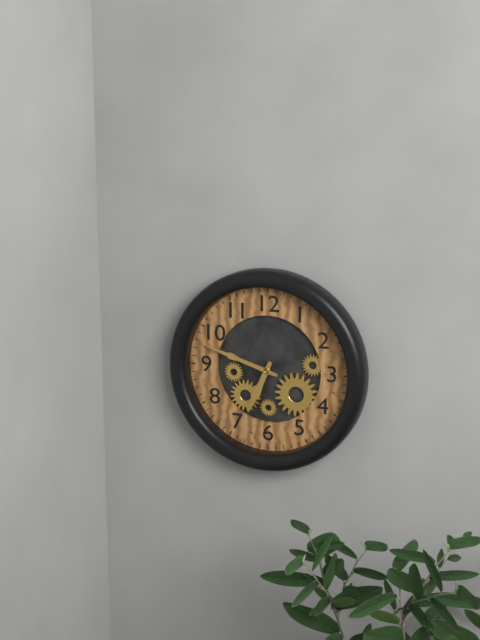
6:48
